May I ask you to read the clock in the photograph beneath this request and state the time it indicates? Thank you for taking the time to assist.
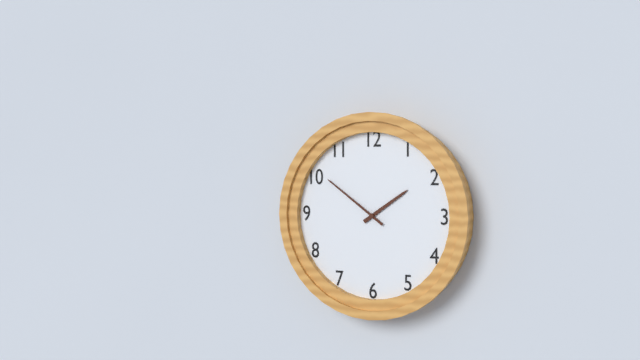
1:51
